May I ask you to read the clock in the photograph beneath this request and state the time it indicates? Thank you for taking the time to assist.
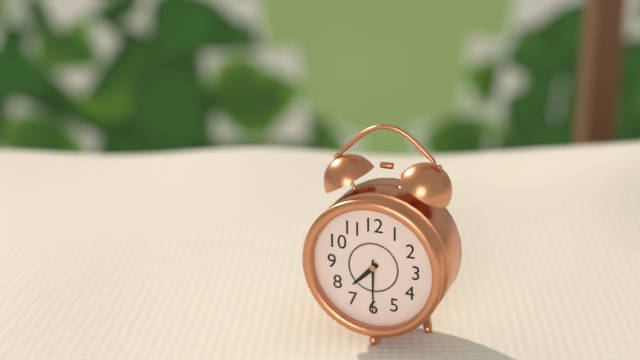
7:30
